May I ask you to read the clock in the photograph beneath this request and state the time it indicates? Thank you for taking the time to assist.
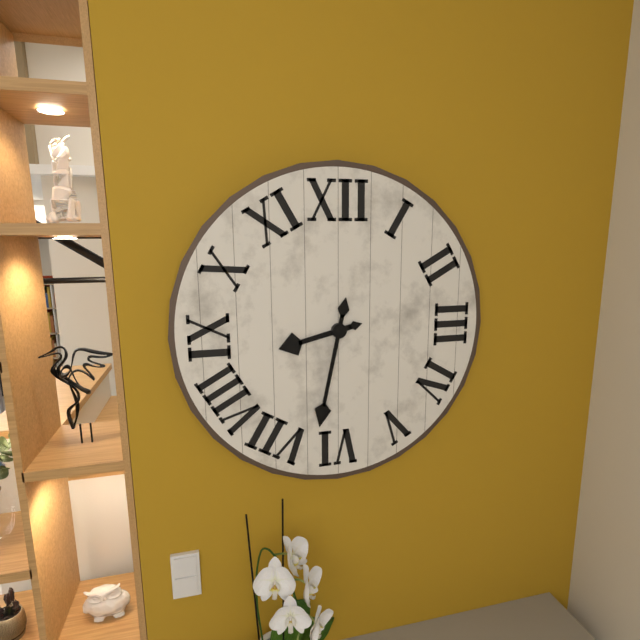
8:32
